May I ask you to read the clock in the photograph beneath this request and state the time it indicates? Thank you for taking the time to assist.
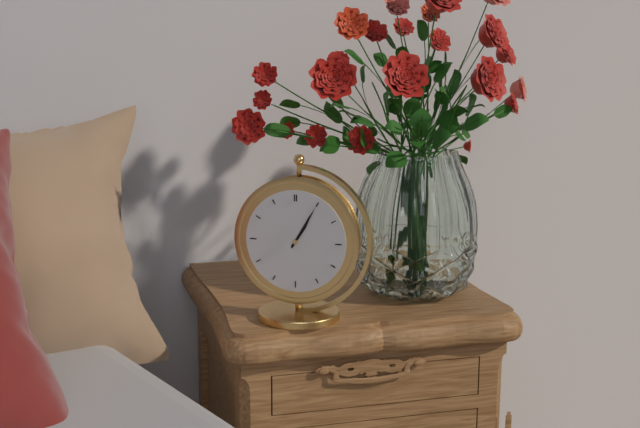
1:05
